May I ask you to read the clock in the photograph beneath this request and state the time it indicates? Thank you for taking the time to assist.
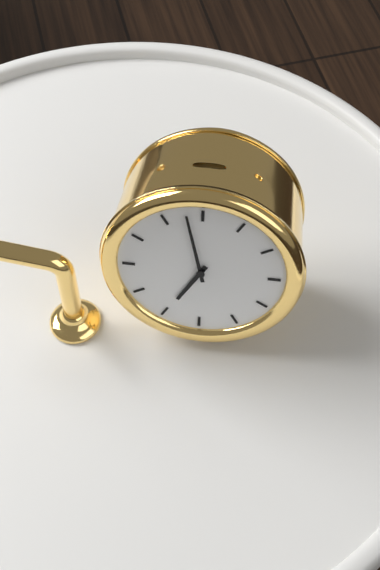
6:58
